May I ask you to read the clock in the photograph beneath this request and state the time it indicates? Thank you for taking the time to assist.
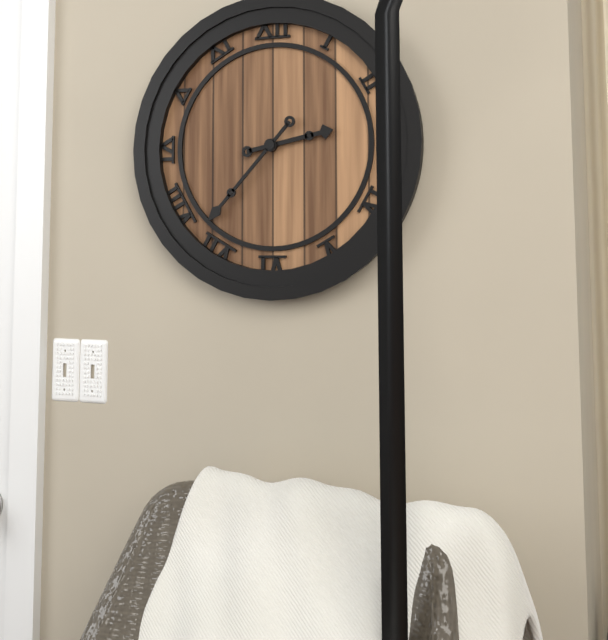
2:37
